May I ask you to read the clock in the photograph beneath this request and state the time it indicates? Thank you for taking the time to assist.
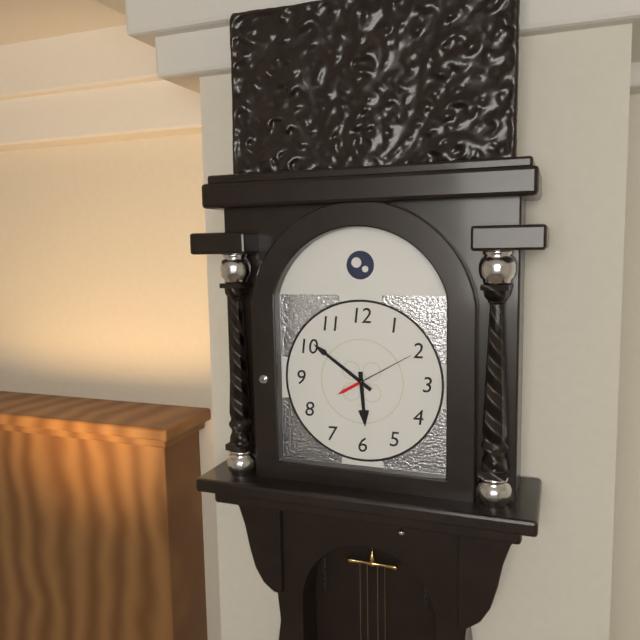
5:51
